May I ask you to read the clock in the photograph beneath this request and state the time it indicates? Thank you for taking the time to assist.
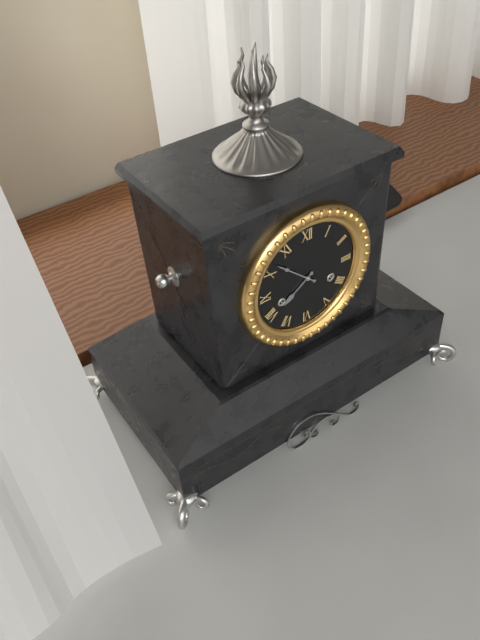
7:52
